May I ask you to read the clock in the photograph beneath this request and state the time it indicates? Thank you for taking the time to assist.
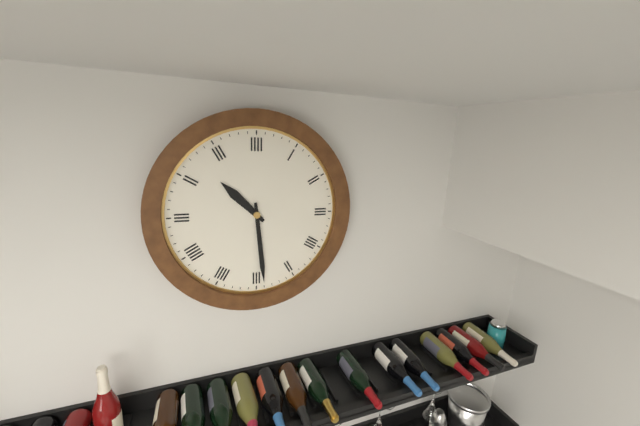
10:29
